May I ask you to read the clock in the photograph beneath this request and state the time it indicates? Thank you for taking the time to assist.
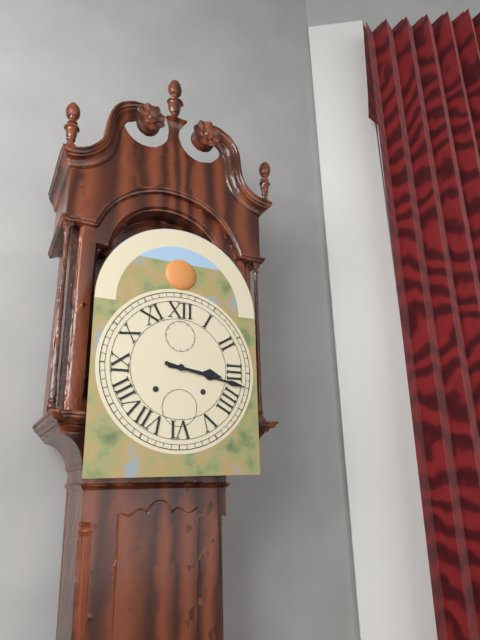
3:17
